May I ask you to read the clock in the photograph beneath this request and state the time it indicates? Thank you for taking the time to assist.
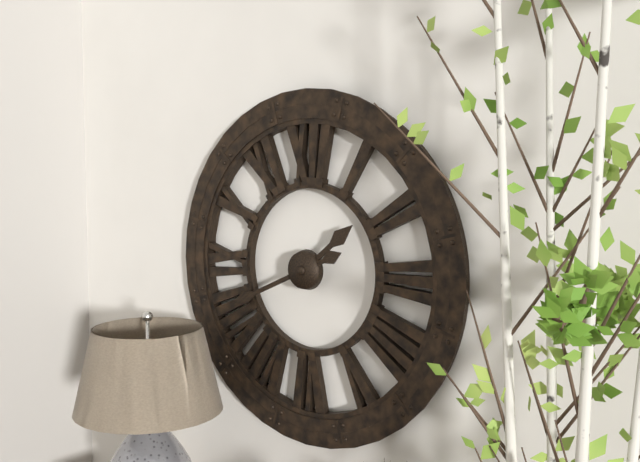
1:41
